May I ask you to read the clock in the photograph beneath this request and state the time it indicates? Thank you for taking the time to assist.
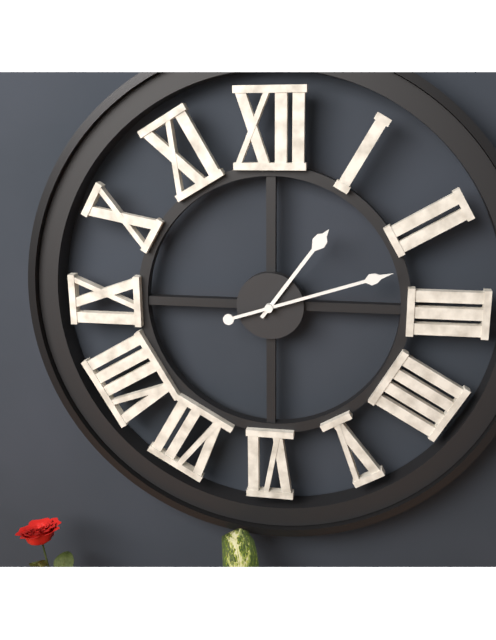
1:12
